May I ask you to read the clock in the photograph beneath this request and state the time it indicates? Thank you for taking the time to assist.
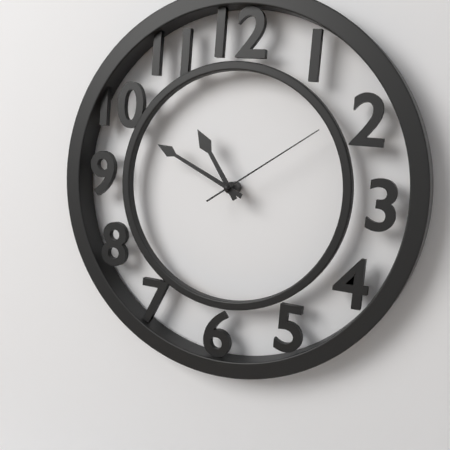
10:49:09
